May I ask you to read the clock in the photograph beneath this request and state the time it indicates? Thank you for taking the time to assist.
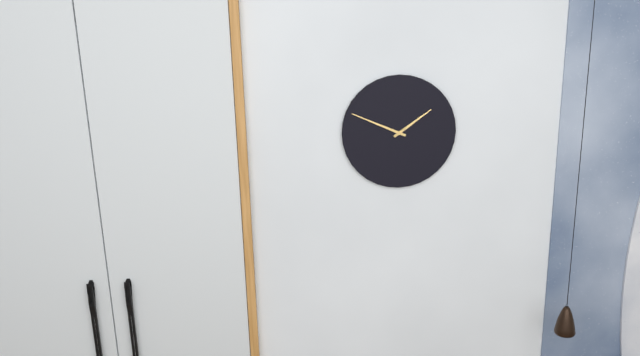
1:49
